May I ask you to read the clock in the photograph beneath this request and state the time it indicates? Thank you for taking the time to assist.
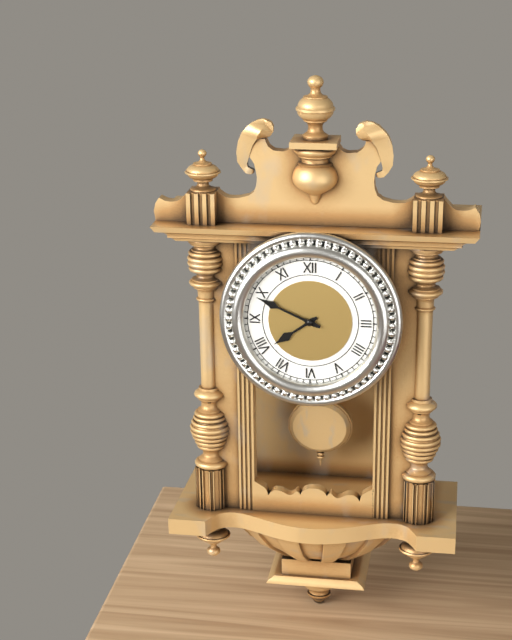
7:49
